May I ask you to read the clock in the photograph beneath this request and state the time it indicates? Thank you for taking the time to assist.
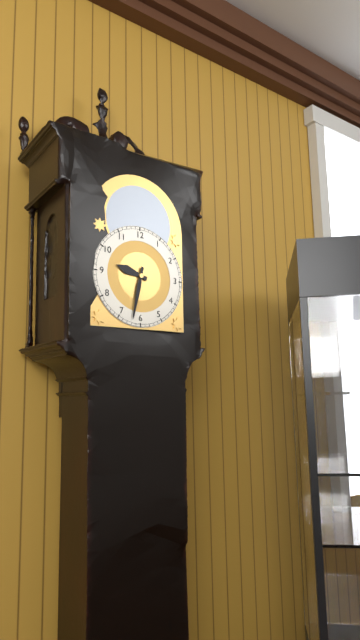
9:32
